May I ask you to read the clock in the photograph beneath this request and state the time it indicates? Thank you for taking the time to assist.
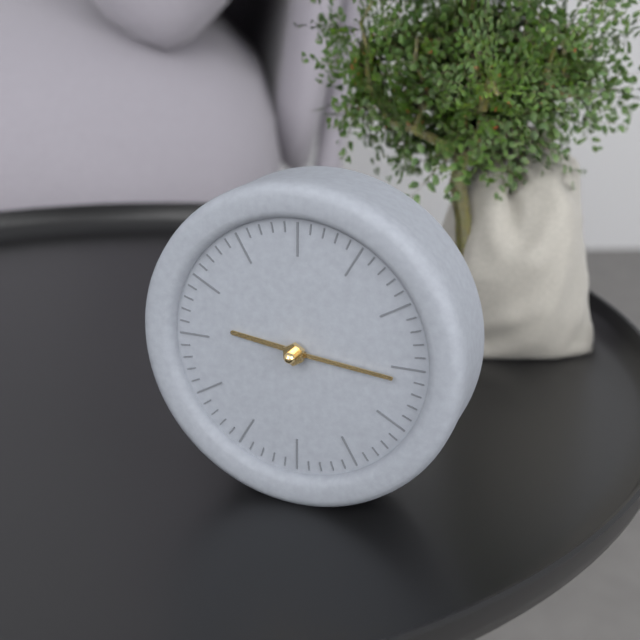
9:16
